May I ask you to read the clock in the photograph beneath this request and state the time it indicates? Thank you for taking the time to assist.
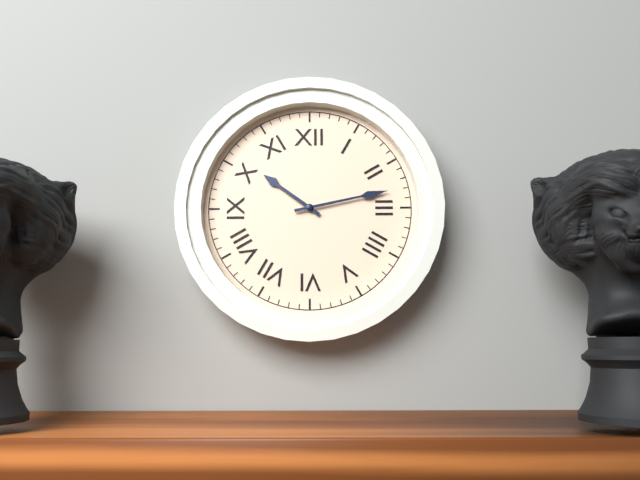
10:13
